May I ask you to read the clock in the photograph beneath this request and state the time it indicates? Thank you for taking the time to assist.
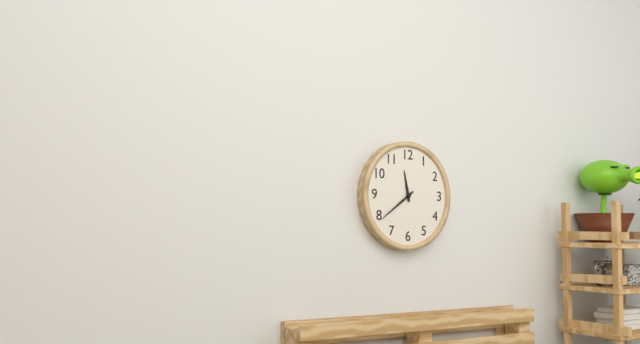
11:39
